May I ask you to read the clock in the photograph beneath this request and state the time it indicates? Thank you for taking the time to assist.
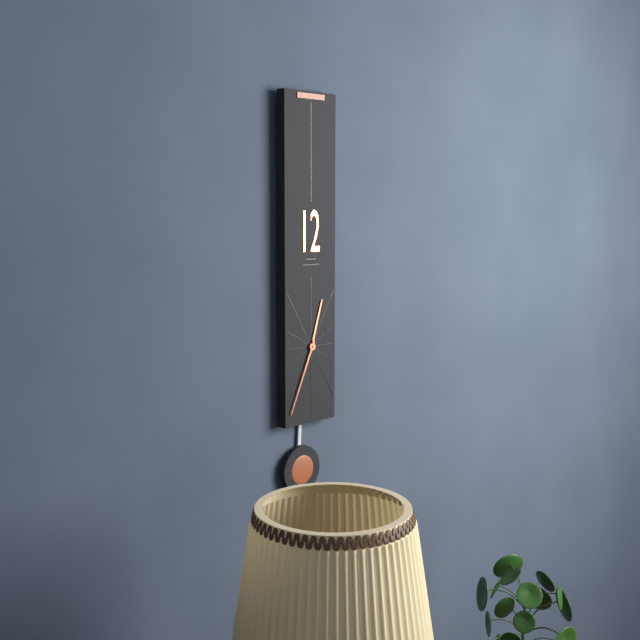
12:34
